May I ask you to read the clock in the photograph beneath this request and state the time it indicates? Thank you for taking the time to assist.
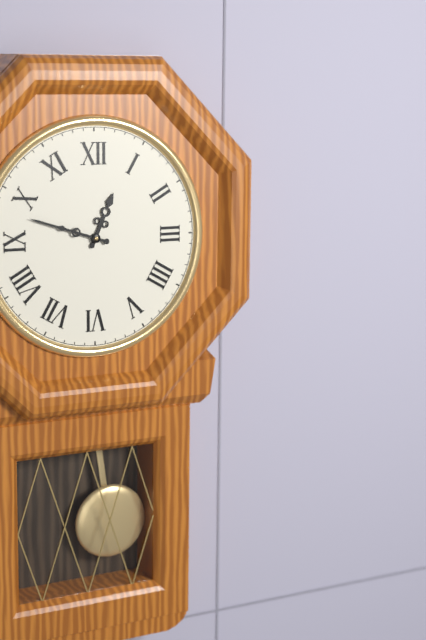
12:48
